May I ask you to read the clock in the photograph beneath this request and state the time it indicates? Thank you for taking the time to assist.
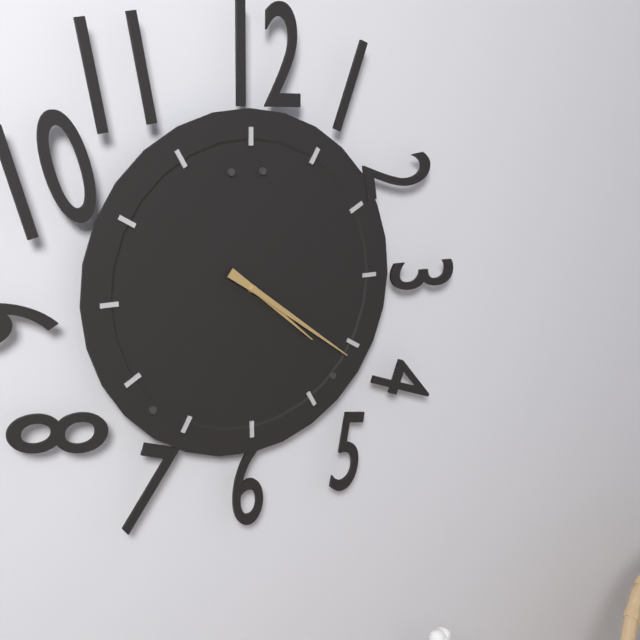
4:21
